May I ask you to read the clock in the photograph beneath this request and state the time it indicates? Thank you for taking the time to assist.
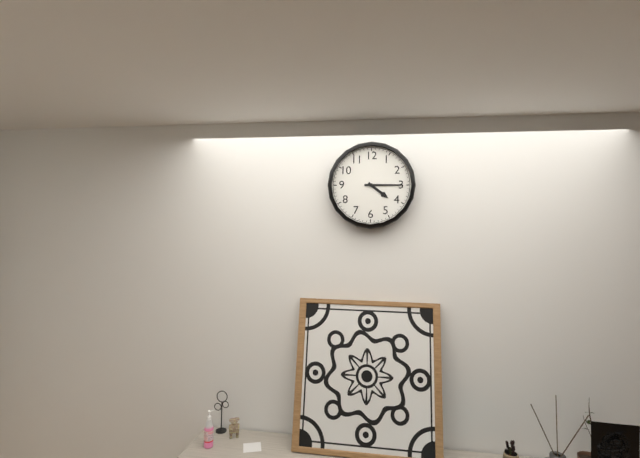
4:15
